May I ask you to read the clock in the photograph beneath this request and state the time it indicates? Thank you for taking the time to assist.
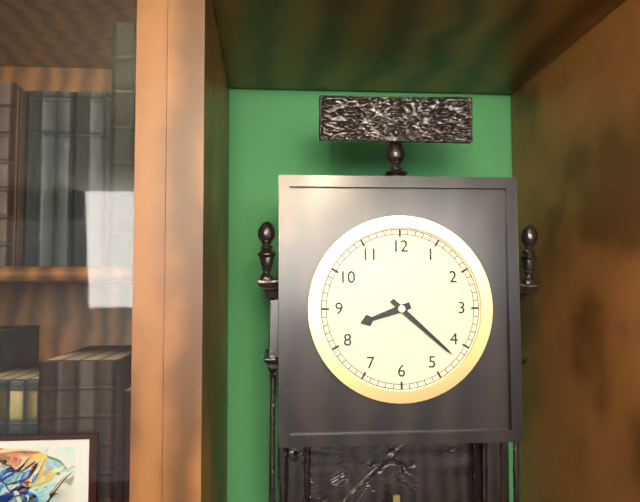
8:22
